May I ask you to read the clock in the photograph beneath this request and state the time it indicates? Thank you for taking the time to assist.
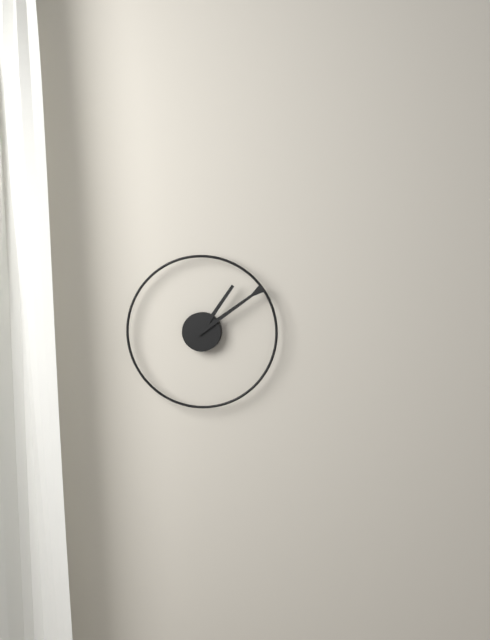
1:09
